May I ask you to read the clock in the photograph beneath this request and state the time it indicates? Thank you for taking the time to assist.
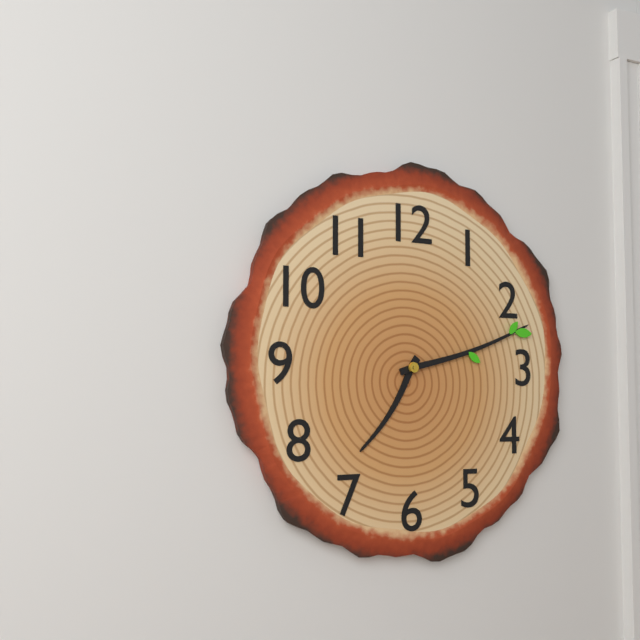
7:12
